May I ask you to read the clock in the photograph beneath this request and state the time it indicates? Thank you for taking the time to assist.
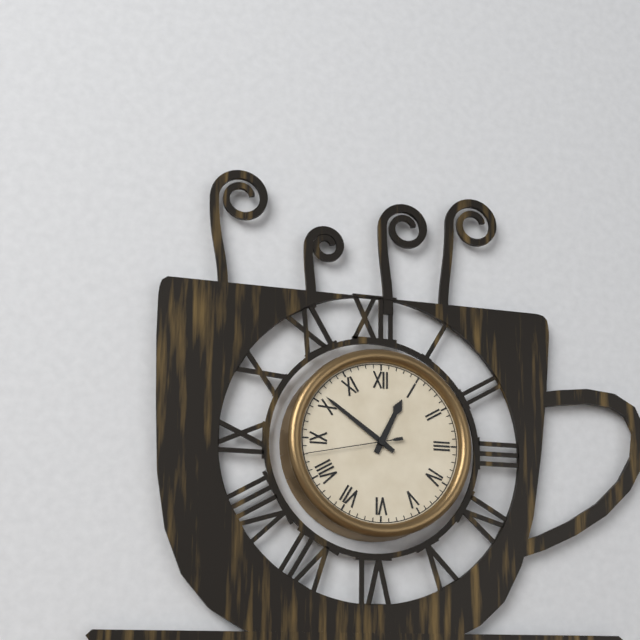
12:51:43
